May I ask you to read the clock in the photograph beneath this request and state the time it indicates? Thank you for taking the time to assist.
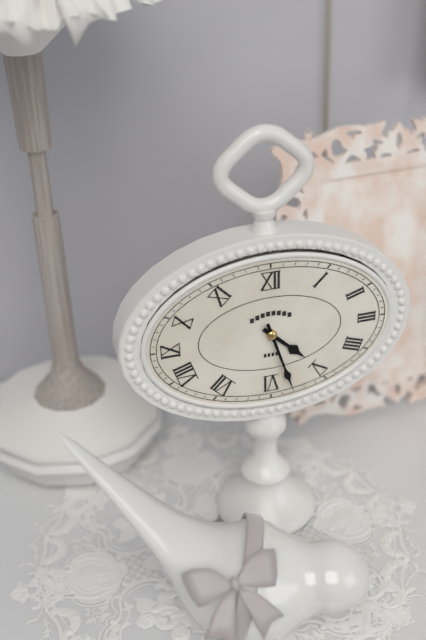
4:27
